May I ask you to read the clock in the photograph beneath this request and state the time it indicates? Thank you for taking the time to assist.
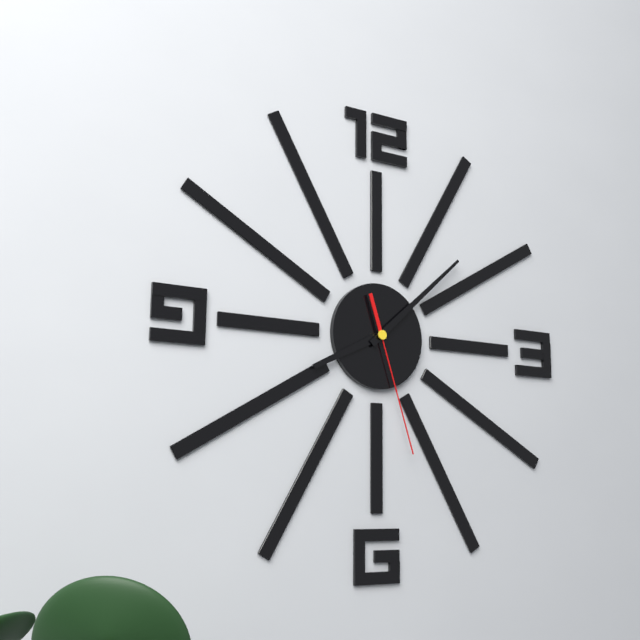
8:08:27
